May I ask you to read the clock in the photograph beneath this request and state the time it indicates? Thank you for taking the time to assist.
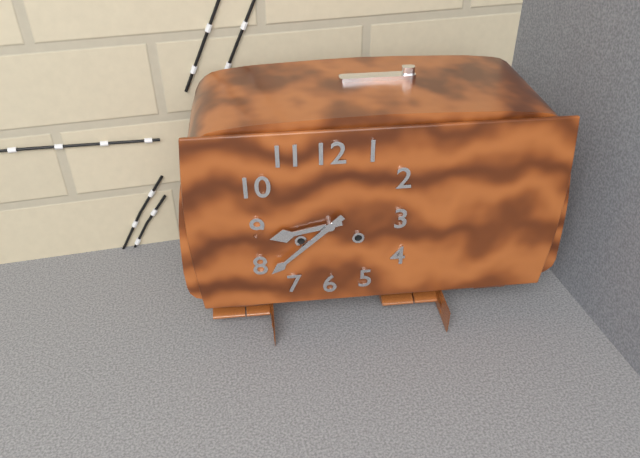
8:38
